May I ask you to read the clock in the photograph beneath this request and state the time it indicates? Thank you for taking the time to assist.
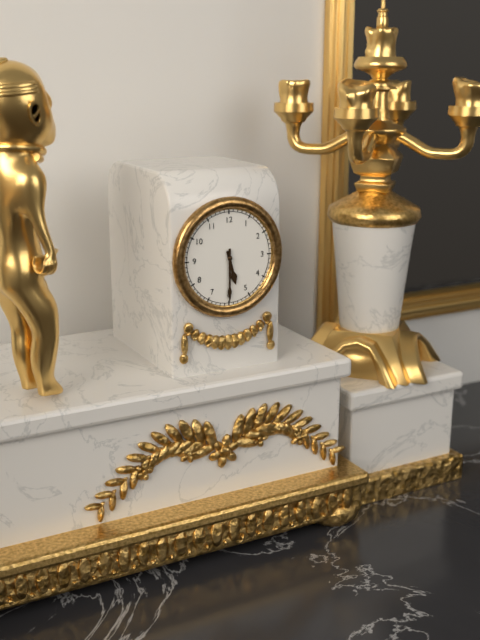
5:30
